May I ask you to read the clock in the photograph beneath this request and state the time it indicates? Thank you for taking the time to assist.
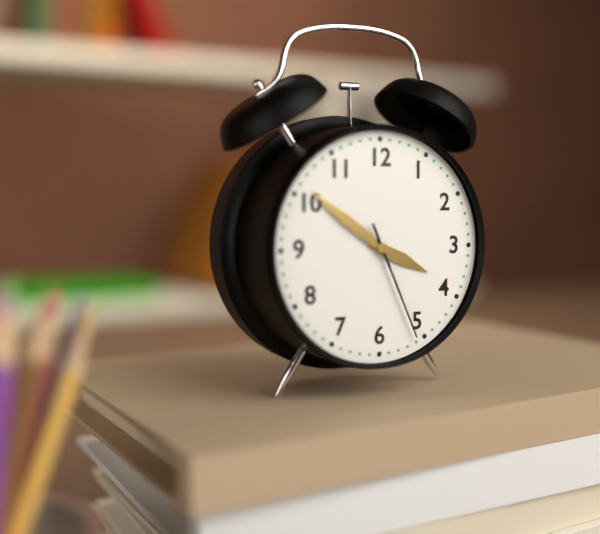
3:51:26
